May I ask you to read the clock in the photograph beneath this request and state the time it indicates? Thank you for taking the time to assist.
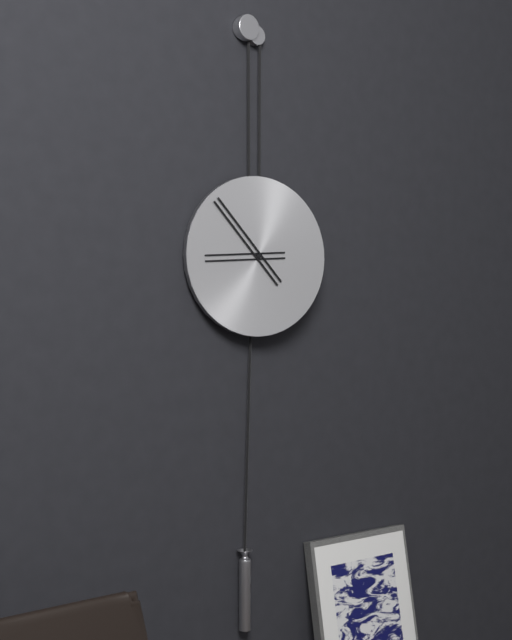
8:53
